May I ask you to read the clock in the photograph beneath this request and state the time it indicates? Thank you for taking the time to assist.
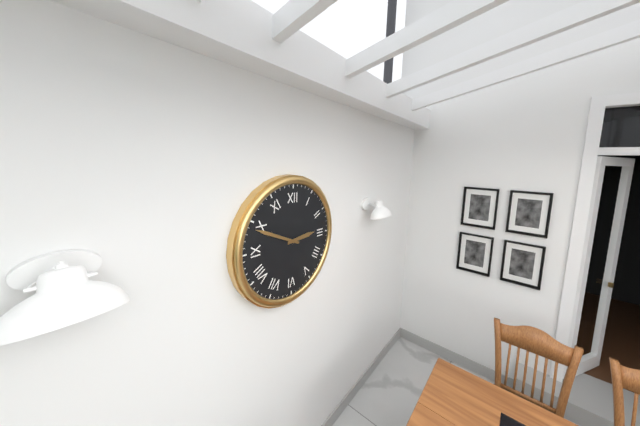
2:49
